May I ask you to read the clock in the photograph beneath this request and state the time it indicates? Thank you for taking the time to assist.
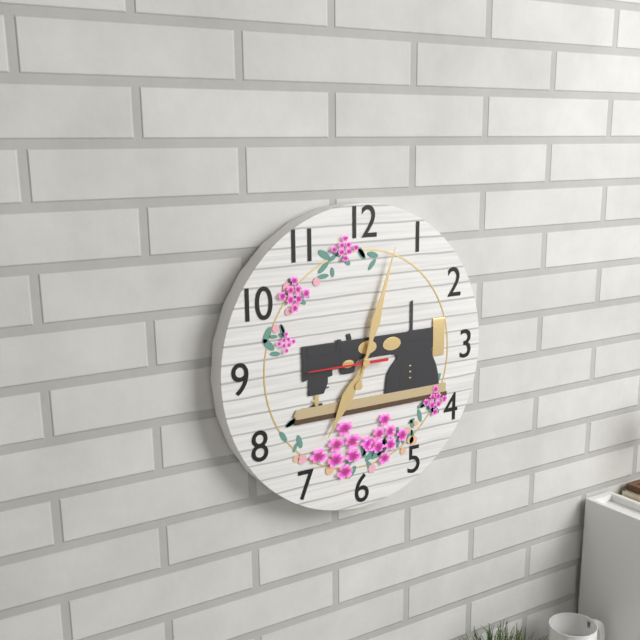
7:03:45
